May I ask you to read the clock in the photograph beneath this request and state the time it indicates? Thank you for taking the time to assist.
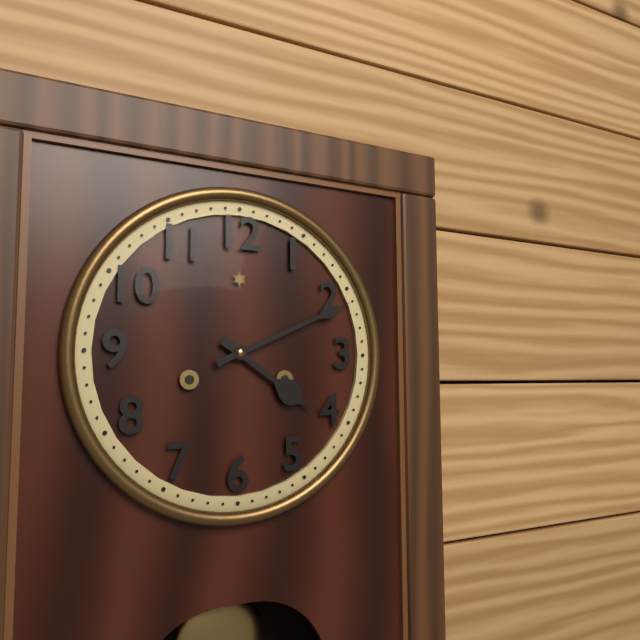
4:11
